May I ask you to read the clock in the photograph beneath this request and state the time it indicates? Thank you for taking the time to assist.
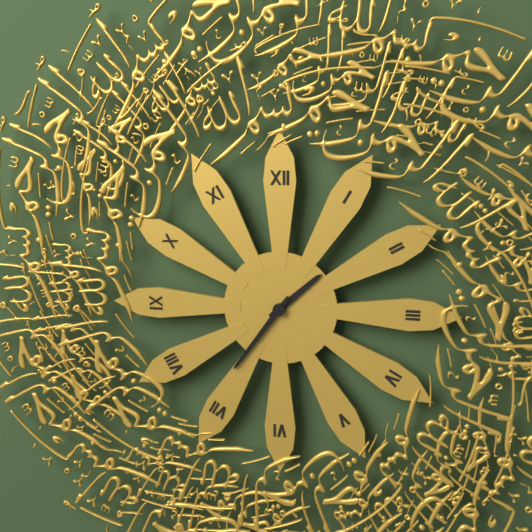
1:36
